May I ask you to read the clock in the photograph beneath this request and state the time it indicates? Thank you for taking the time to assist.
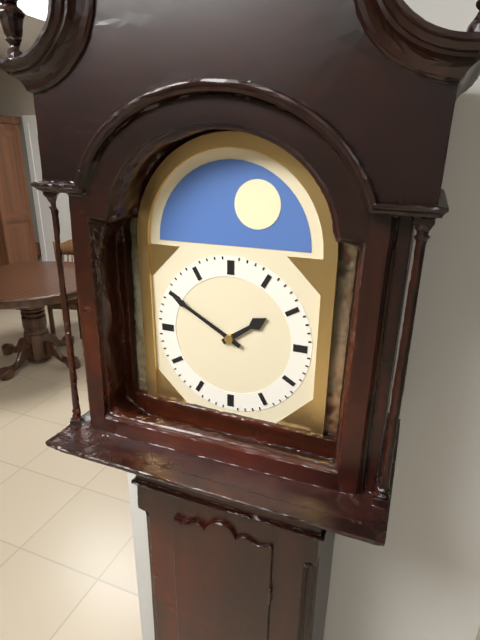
1:50
